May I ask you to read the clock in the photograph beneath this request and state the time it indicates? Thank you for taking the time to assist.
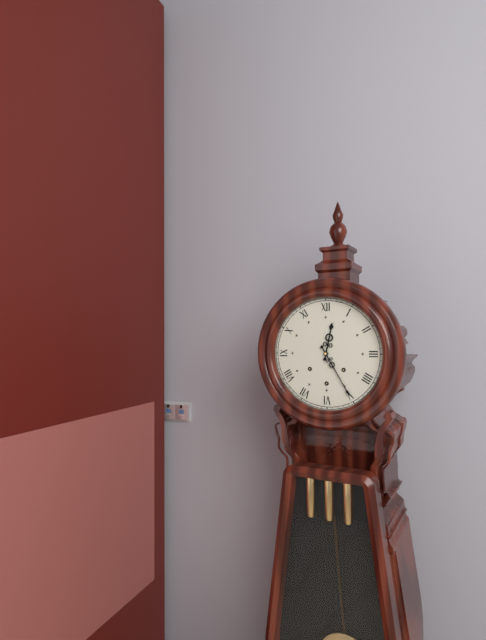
12:25
